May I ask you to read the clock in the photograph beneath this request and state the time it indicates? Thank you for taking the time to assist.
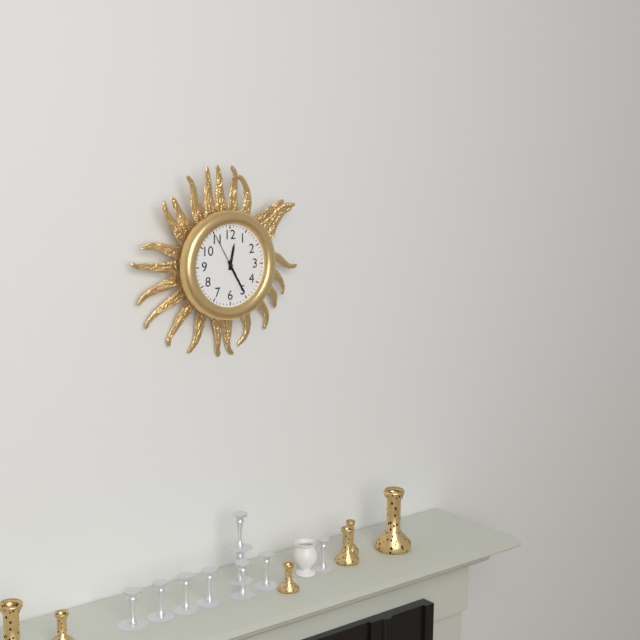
12:25
